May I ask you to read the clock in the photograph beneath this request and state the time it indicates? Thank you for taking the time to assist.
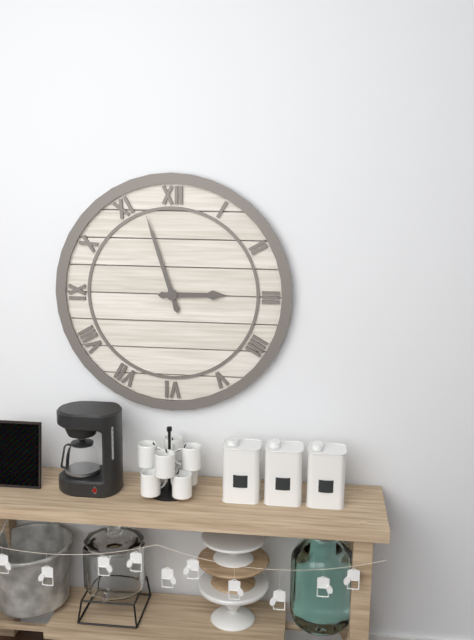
2:57
